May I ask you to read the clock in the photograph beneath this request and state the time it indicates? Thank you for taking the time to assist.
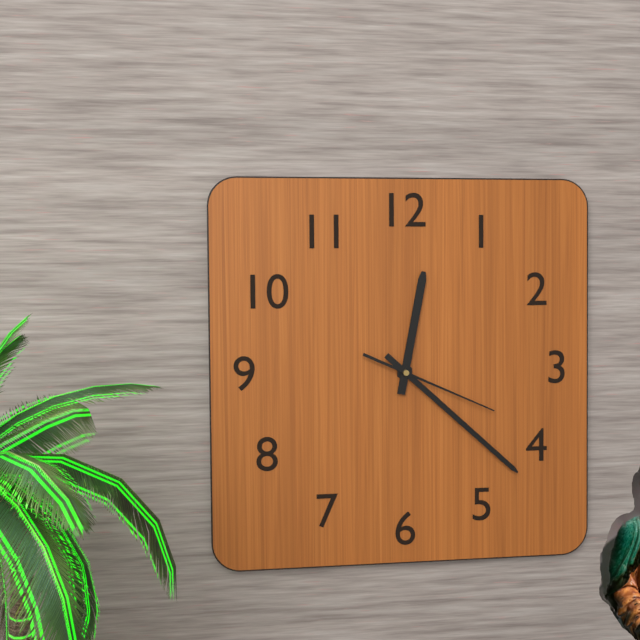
12:22:19
